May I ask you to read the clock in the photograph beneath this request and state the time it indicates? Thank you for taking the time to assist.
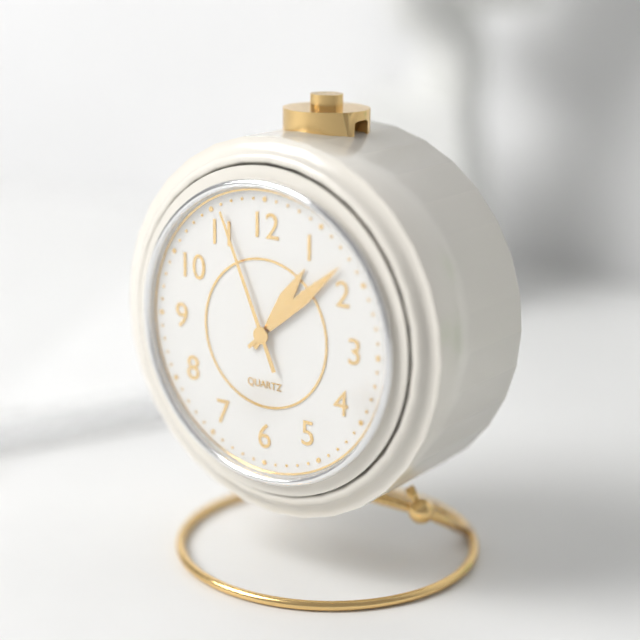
1:08:56
